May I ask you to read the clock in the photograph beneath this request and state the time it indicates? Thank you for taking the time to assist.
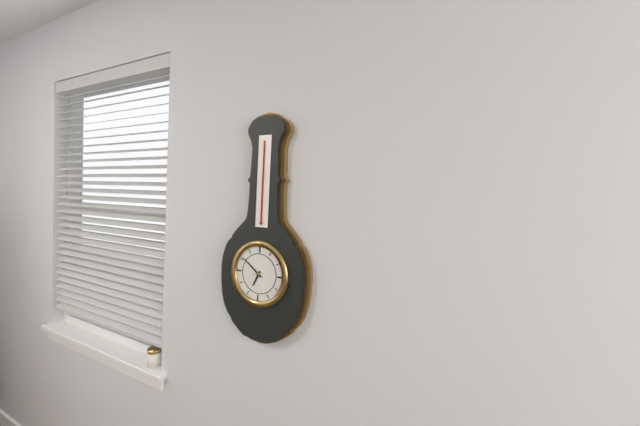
6:51
